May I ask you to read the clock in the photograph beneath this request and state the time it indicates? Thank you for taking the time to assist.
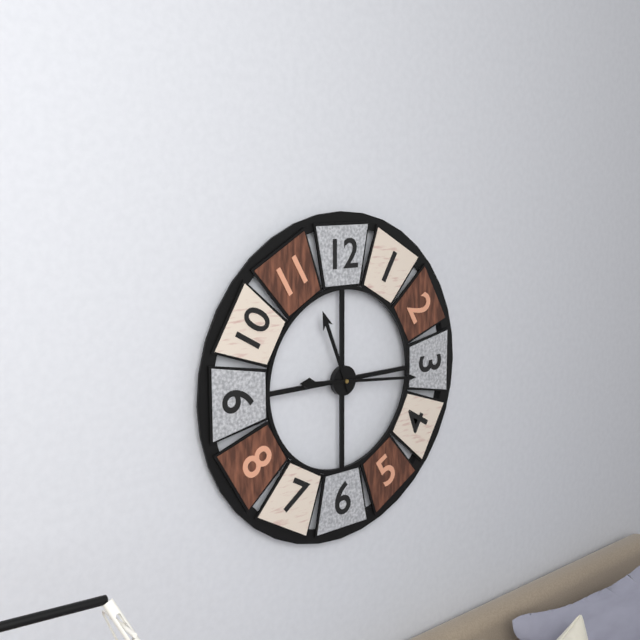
11:16
